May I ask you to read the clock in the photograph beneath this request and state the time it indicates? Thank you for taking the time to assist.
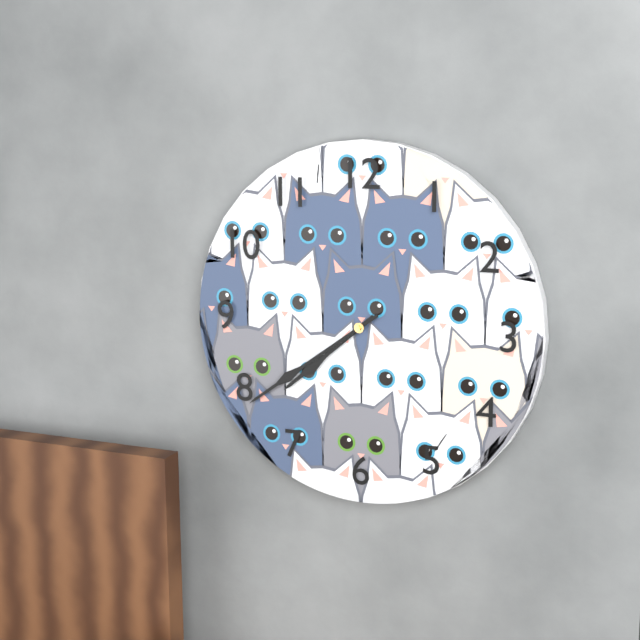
7:39
